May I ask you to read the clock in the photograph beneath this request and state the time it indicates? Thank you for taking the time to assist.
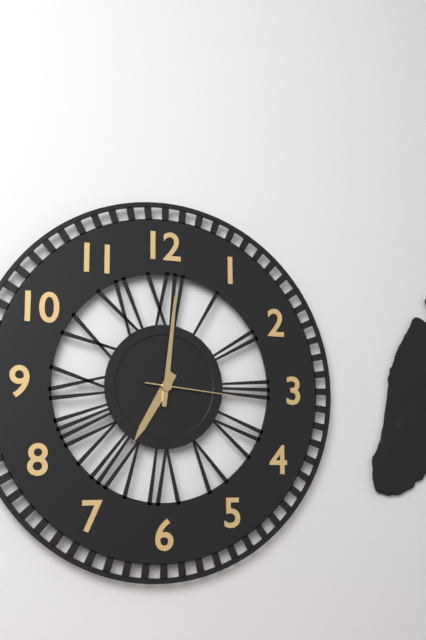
7:01:16
